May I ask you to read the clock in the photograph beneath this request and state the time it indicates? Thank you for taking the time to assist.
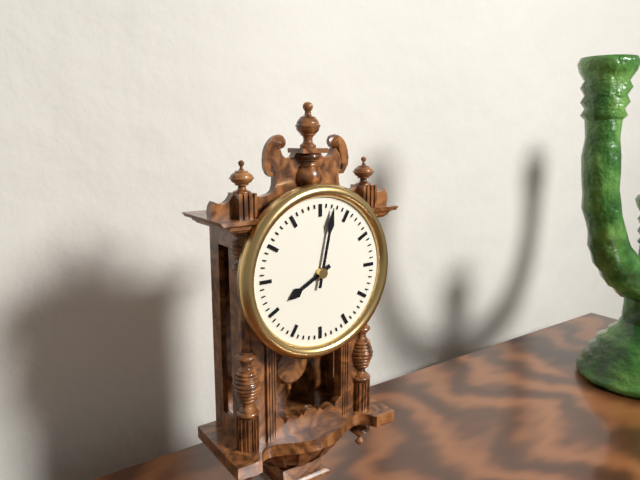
8:02
